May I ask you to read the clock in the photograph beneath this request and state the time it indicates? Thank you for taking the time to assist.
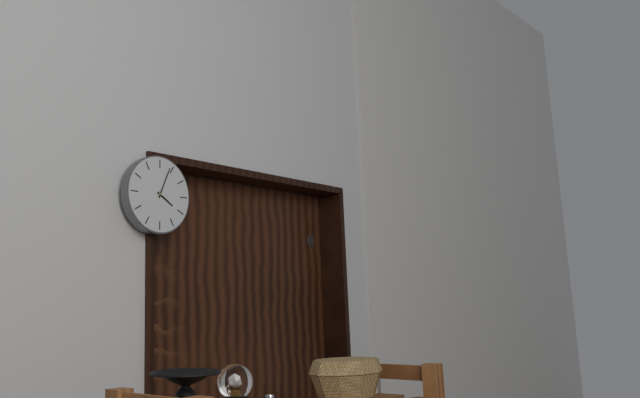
4:04
